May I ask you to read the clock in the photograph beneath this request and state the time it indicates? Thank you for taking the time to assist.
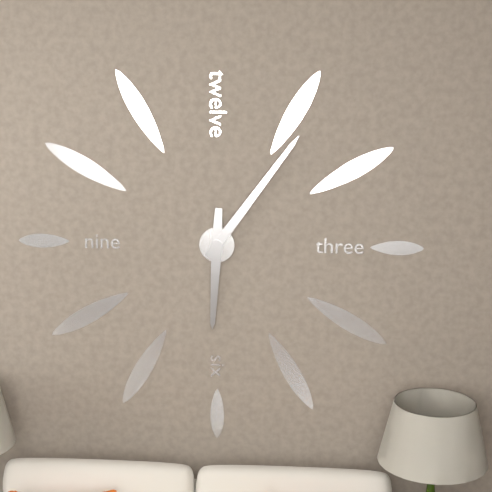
6:06
